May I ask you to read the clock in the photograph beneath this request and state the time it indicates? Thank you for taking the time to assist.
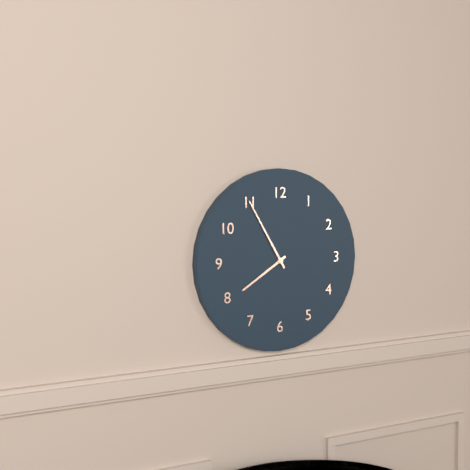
7:55
